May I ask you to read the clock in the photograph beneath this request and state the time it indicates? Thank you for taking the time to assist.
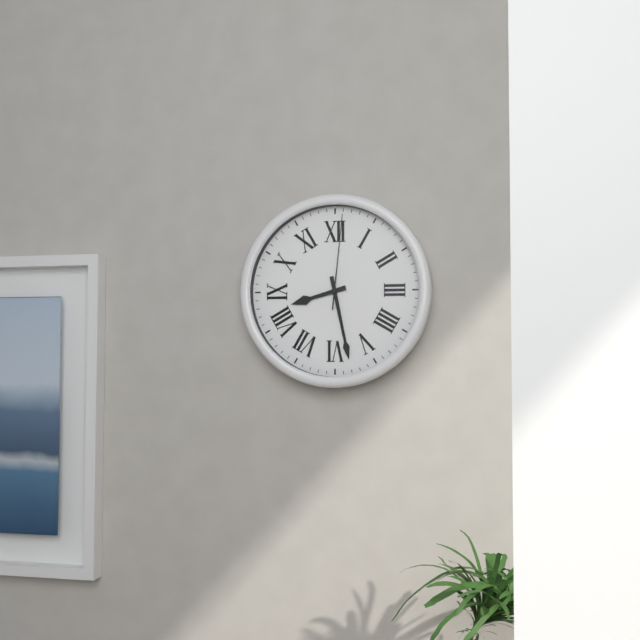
8:28:01
